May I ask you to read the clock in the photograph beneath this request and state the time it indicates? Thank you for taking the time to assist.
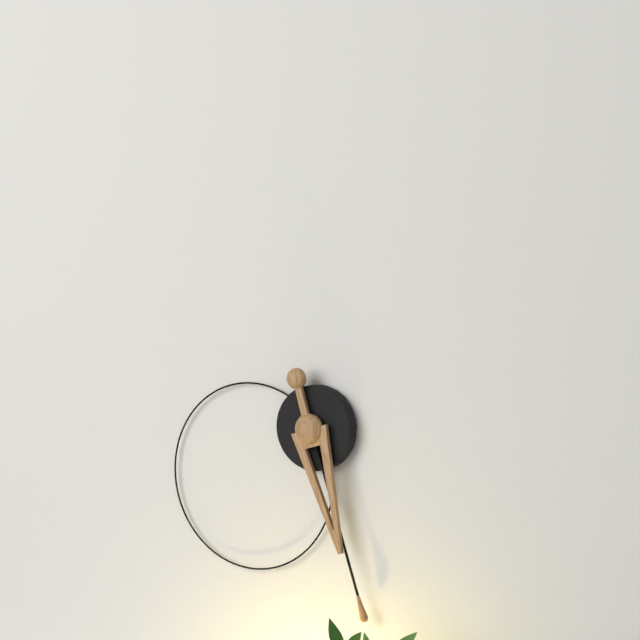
5:27
